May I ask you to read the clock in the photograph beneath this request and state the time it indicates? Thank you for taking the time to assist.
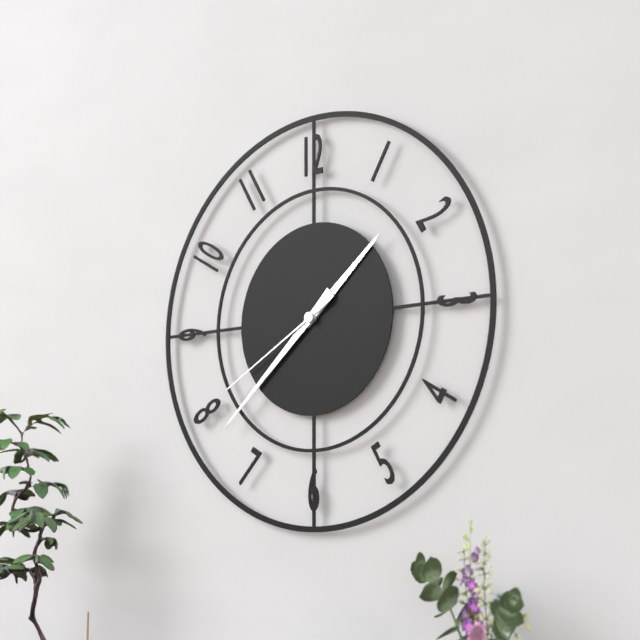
1:38:40
